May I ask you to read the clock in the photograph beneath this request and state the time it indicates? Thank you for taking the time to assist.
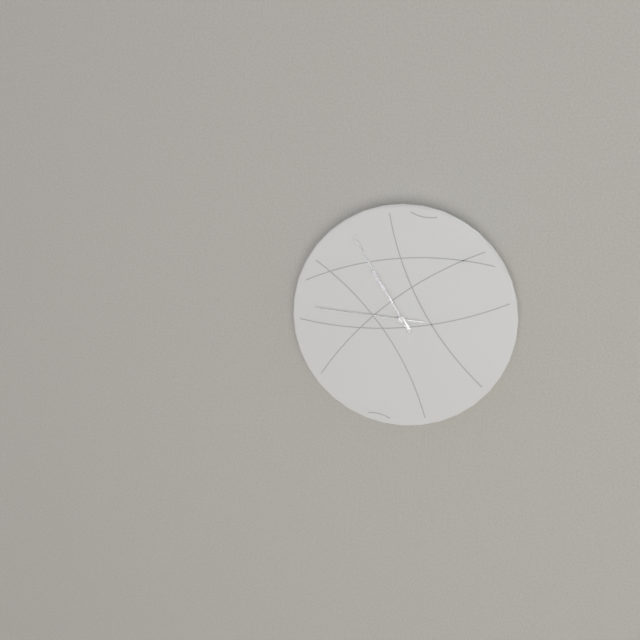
10:55:46
